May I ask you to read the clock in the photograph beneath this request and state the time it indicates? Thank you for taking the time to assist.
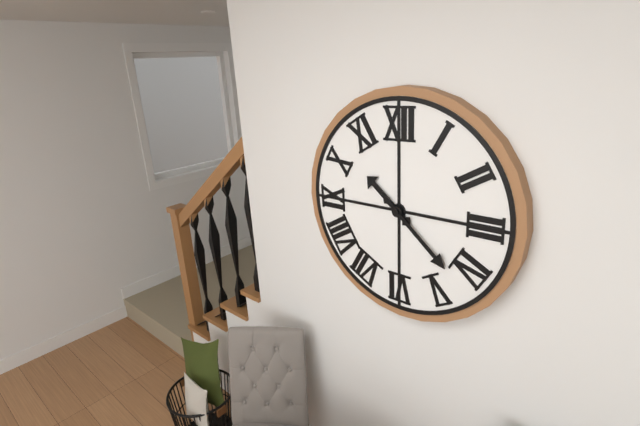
10:22
